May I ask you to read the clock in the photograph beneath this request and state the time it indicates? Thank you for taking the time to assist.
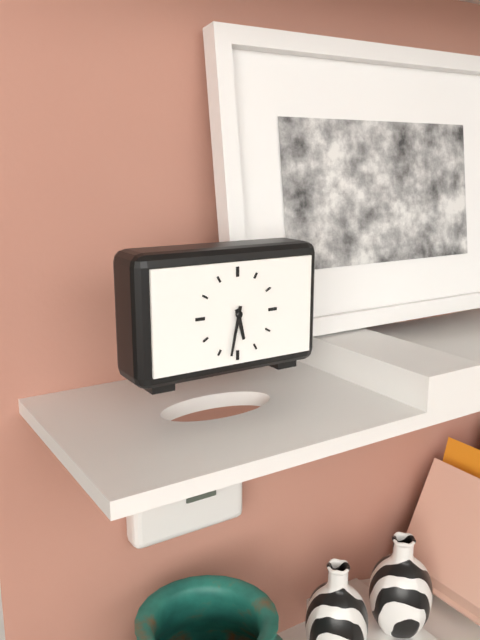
5:32
